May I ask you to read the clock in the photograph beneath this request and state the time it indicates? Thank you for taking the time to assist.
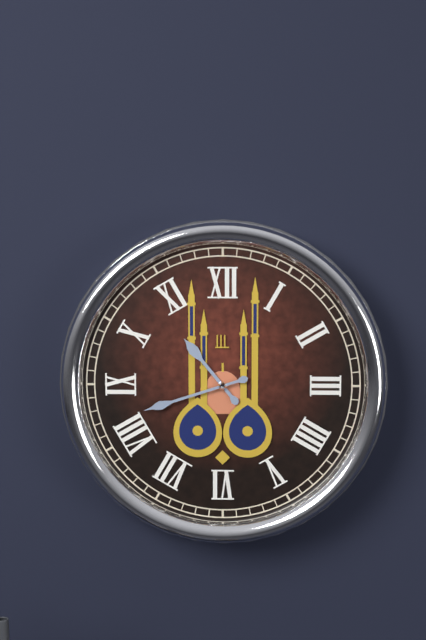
10:42
